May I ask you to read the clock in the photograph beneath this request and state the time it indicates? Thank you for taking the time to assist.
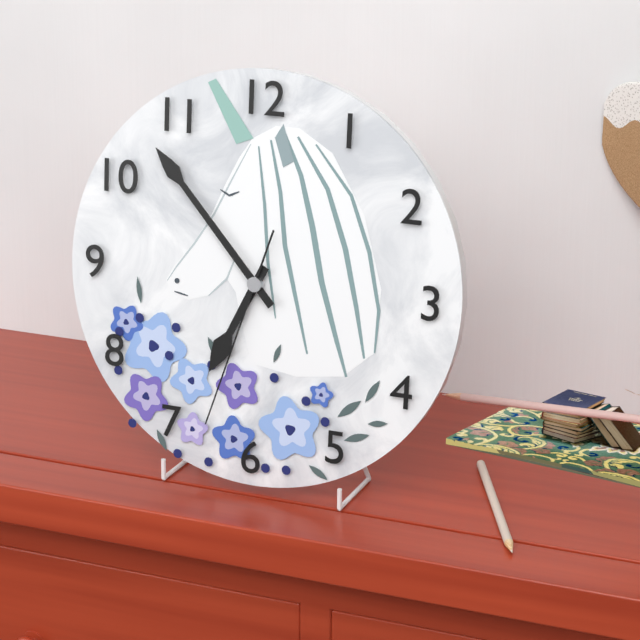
6:53:33
